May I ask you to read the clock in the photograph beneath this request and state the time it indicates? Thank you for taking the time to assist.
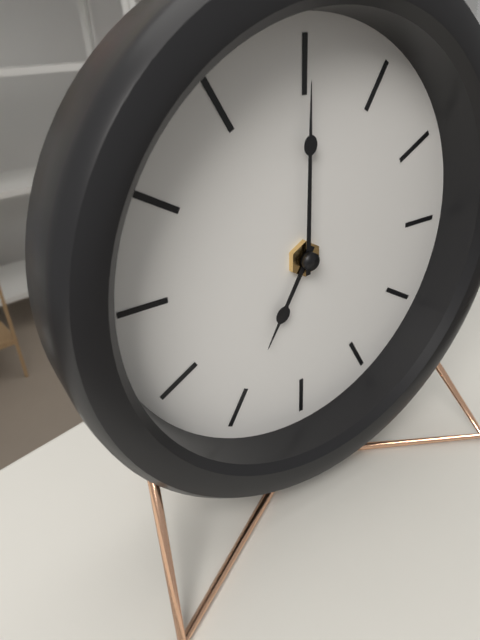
7:00
